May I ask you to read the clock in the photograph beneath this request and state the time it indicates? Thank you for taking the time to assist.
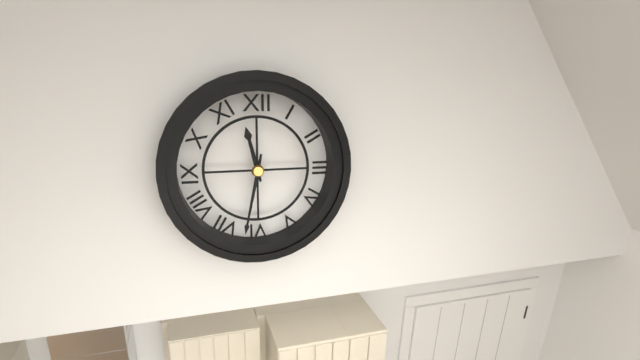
11:32
